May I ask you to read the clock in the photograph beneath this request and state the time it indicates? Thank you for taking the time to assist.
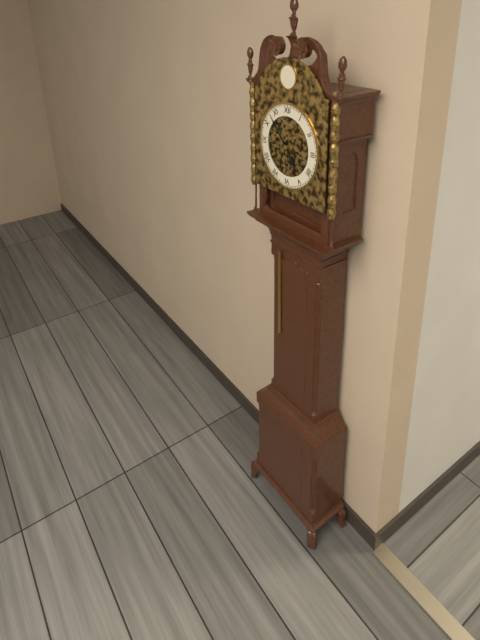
4:53
